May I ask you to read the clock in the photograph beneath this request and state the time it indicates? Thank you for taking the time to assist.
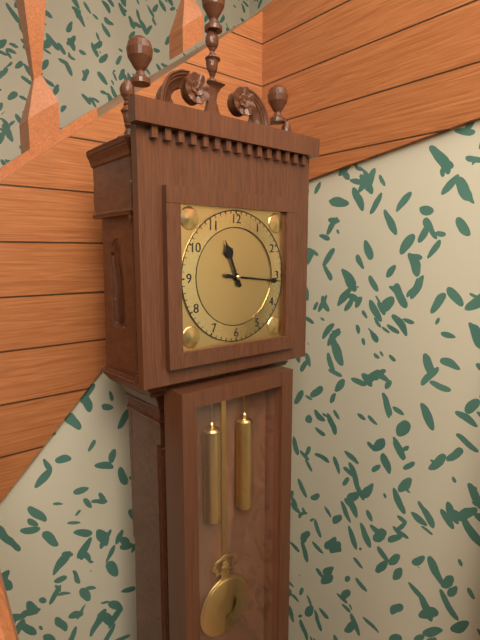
11:16
